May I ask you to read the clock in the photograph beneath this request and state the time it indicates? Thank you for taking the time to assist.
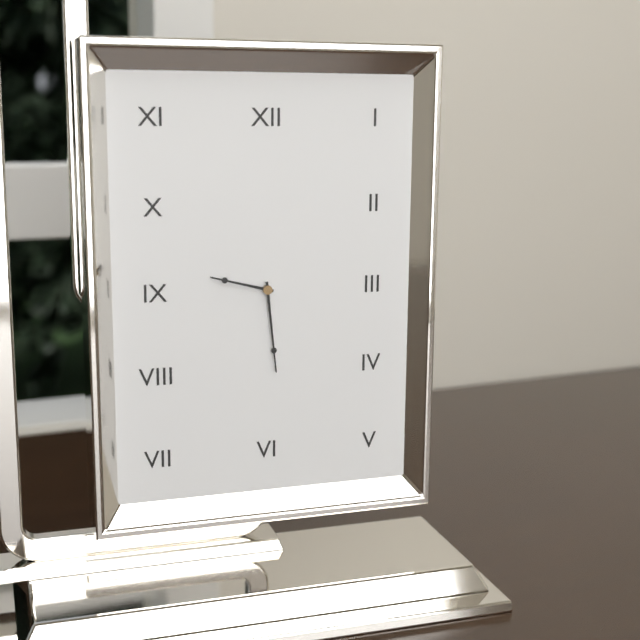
9:29
